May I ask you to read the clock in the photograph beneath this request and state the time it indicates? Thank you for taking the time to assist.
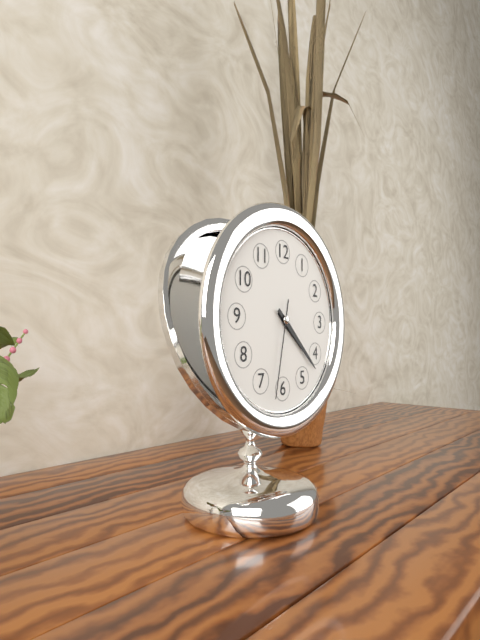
4:22:32
